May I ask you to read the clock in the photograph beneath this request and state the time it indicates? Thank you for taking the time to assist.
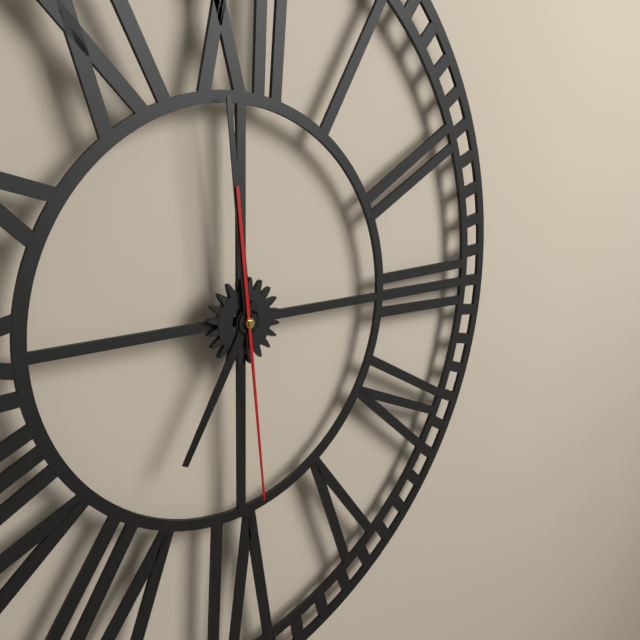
6:59:29
